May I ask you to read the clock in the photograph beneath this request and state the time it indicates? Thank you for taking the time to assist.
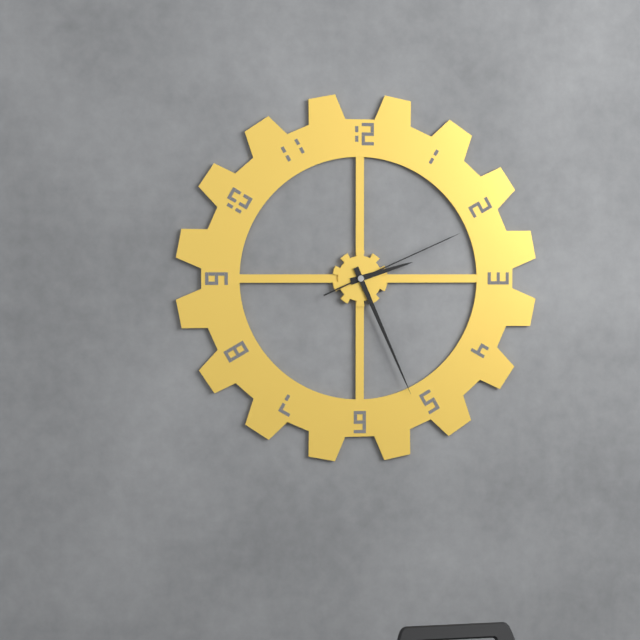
2:26:11
